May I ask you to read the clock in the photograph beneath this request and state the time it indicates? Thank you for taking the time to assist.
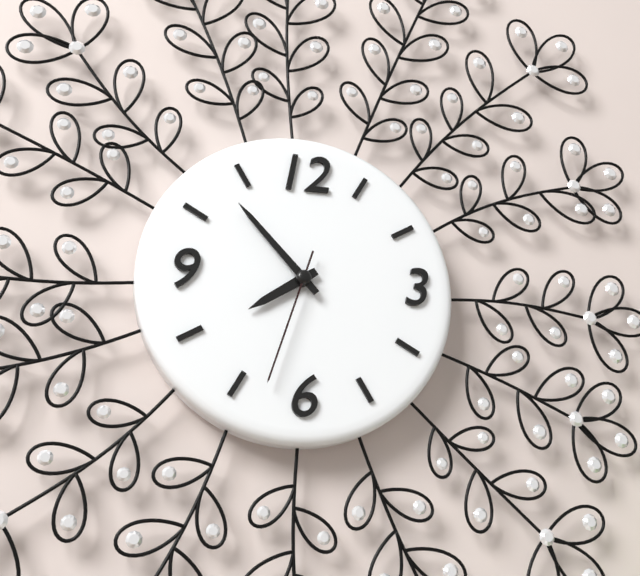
7:53:33
